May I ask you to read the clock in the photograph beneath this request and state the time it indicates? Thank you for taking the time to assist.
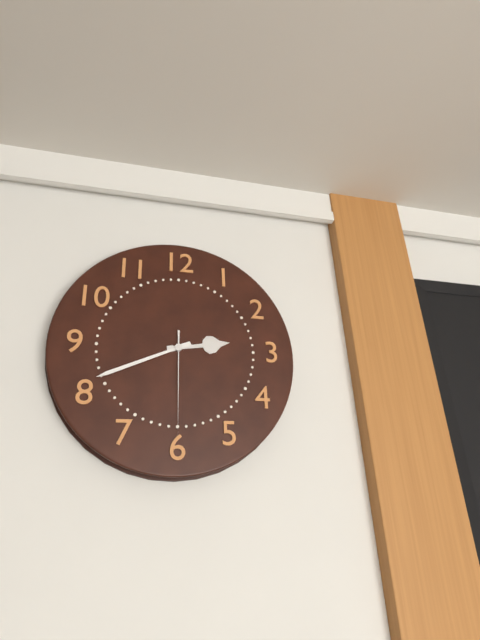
2:41:30
